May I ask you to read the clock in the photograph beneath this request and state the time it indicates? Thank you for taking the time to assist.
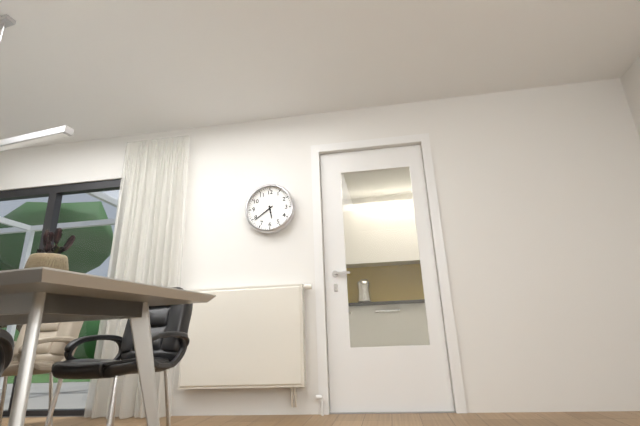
5:39
